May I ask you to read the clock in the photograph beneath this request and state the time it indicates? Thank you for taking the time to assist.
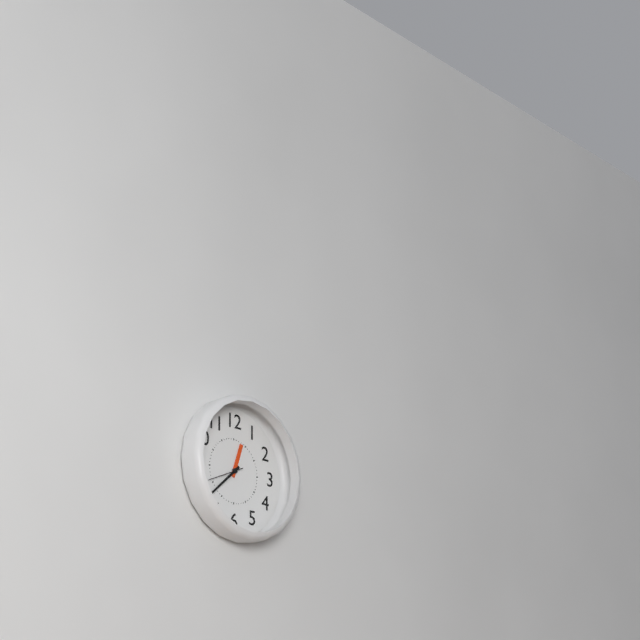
12:38
